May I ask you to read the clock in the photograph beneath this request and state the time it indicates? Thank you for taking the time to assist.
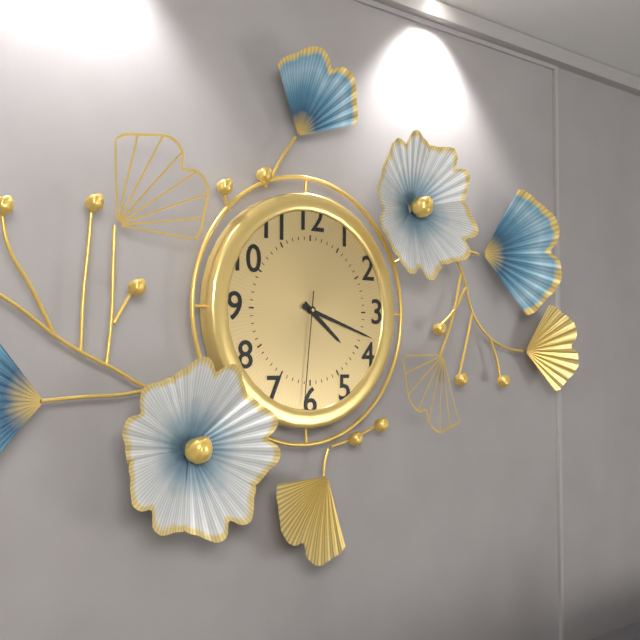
4:18:31
